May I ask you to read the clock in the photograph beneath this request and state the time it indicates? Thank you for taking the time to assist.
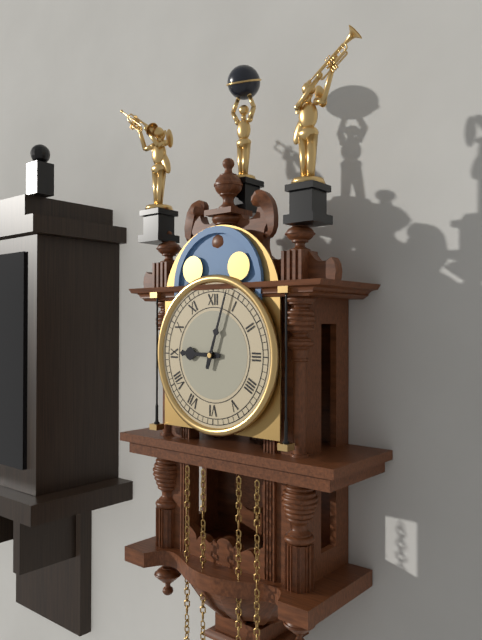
9:03
